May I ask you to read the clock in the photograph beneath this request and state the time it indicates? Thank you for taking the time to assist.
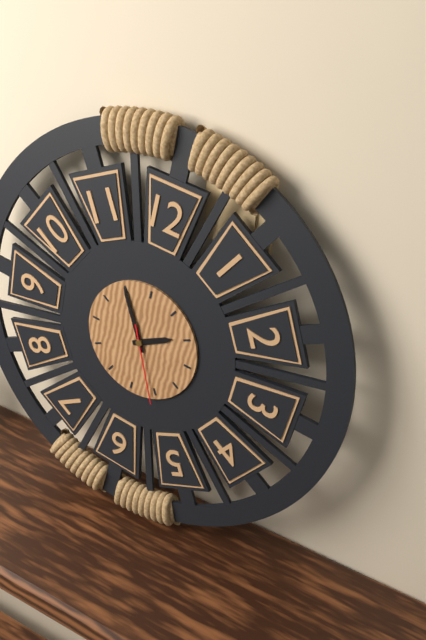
1:55:26
